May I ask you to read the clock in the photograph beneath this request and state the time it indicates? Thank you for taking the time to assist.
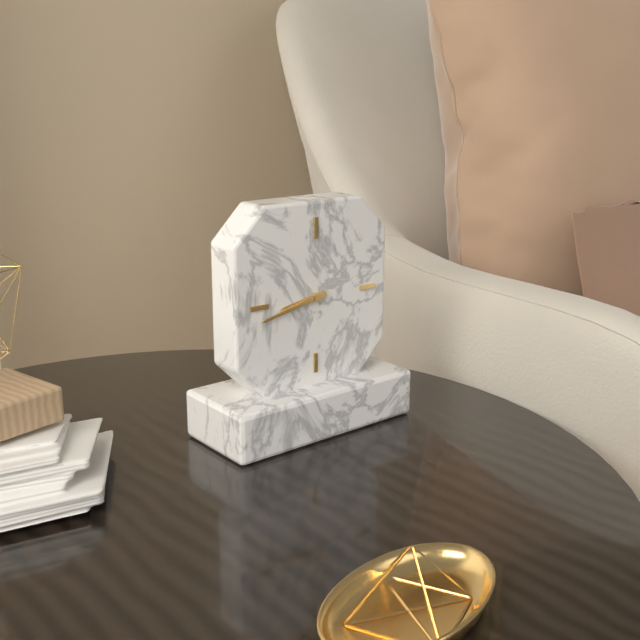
8:43
